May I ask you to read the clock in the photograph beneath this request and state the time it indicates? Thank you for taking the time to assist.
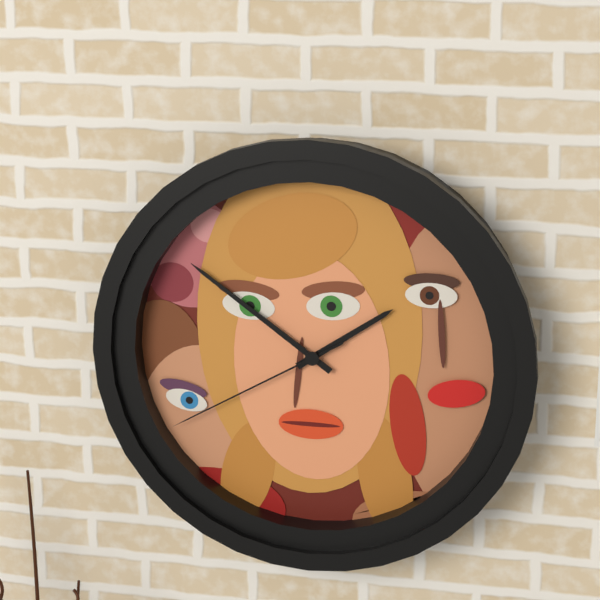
1:51:40
